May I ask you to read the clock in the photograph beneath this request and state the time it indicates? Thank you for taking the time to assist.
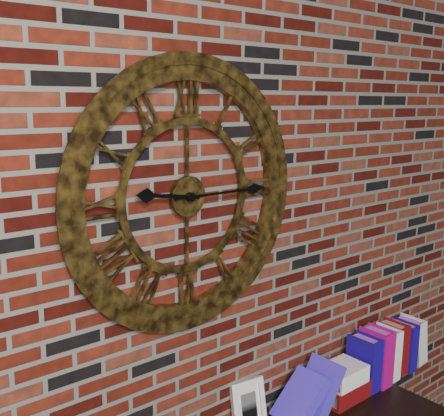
9:15
